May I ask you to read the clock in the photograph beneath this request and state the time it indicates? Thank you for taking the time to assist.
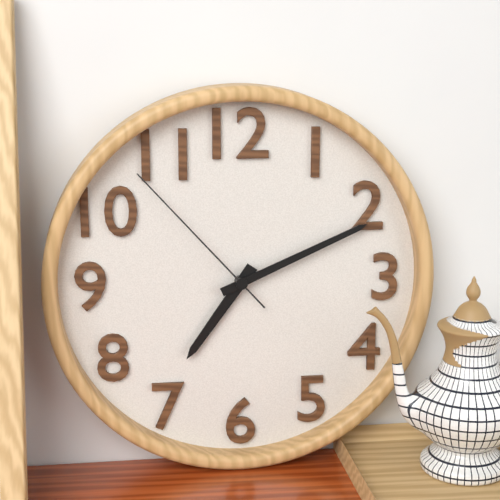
7:11:53
